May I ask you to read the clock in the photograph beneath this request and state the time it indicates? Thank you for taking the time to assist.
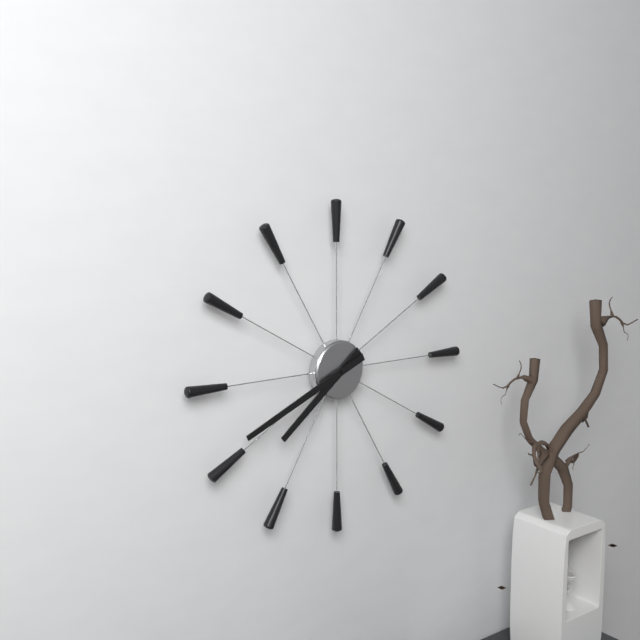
7:41
